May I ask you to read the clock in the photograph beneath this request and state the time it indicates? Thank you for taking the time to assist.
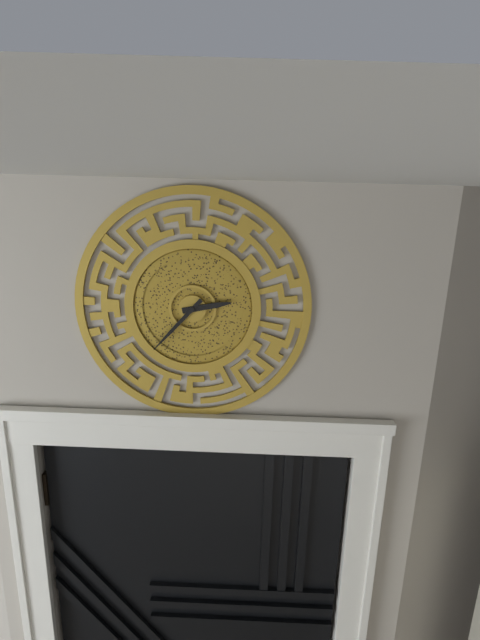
2:37
